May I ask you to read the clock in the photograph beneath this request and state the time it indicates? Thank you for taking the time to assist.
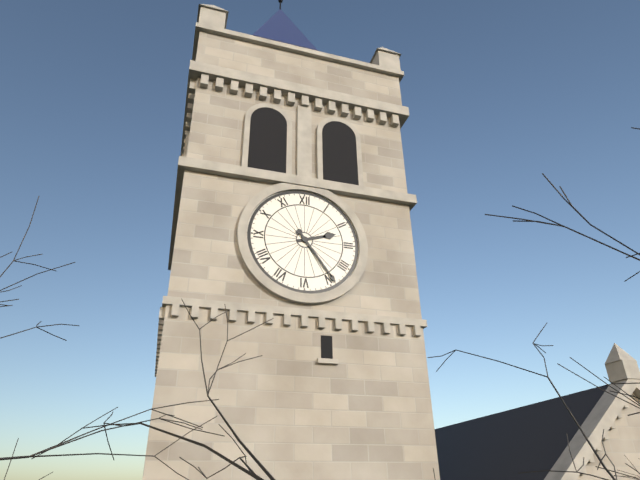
2:24
